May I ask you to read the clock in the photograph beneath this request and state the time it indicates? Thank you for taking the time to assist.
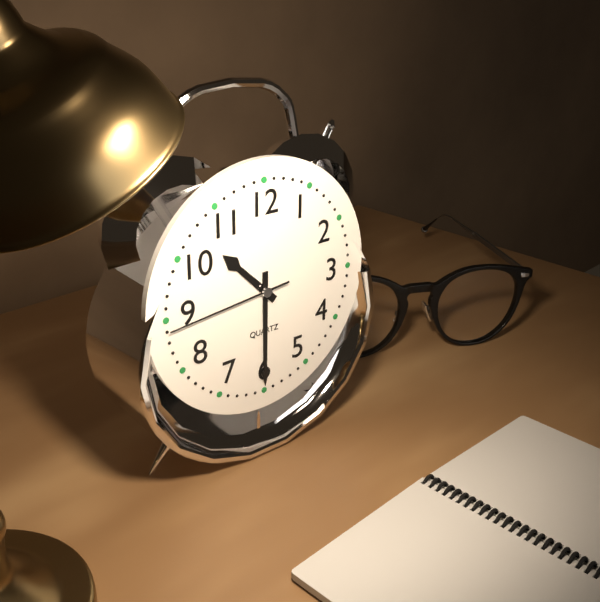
10:30:44
